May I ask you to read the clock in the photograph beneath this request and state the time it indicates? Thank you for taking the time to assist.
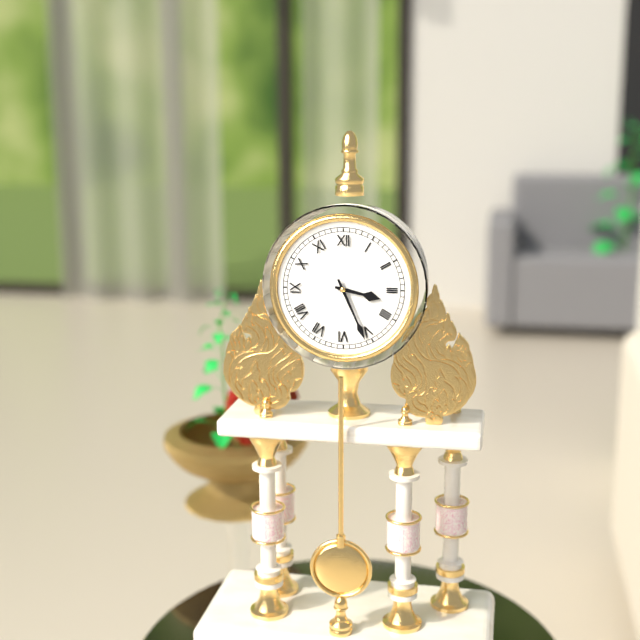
3:26
